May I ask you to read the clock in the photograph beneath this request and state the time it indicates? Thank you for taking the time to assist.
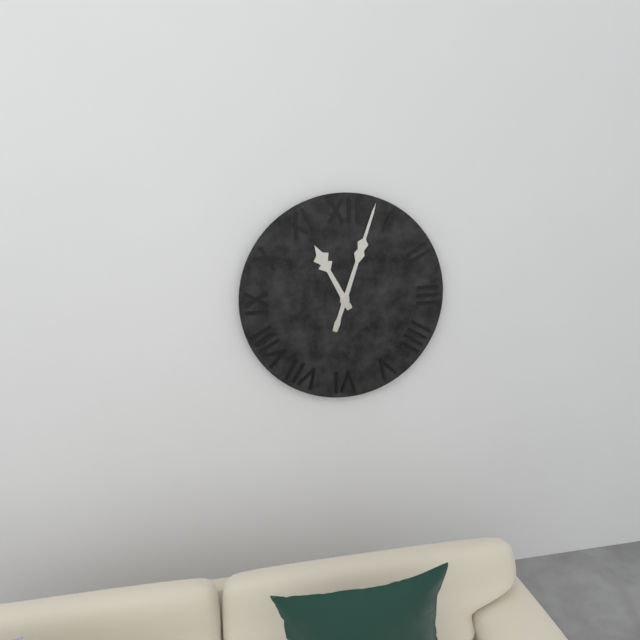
11:03
